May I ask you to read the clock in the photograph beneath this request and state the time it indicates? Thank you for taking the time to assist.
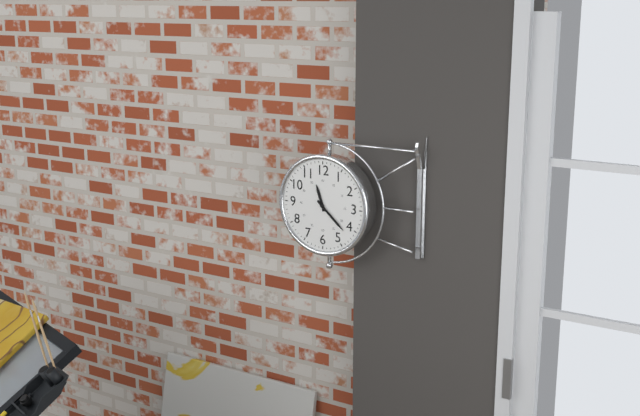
11:22
